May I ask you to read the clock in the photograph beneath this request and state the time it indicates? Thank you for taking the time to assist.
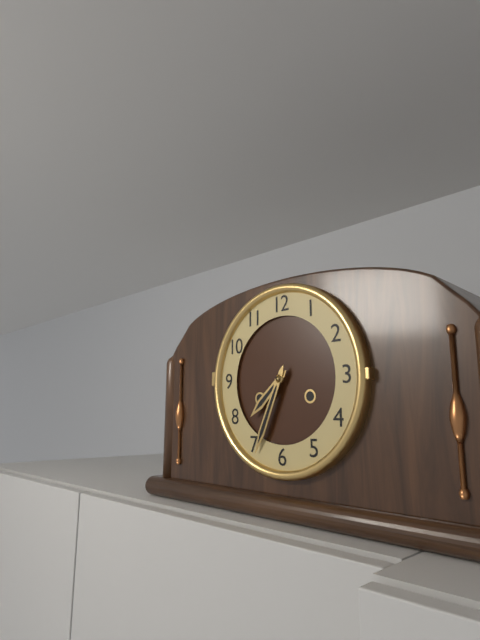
7:34
